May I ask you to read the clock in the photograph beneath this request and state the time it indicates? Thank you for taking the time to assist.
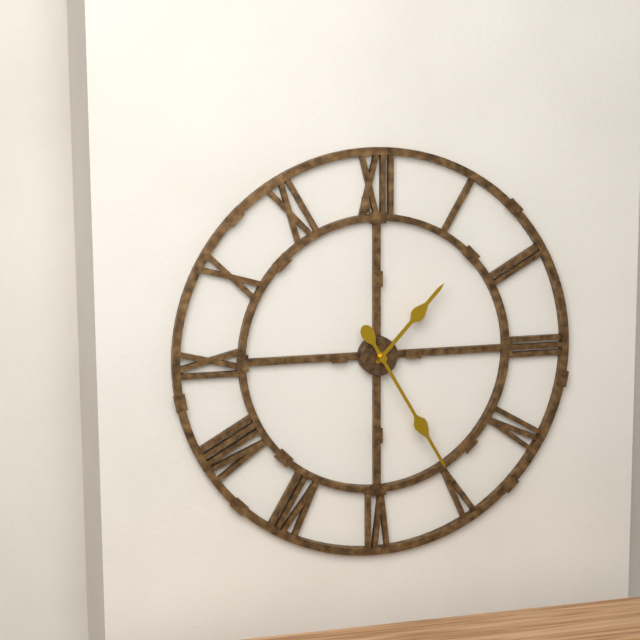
1:25
